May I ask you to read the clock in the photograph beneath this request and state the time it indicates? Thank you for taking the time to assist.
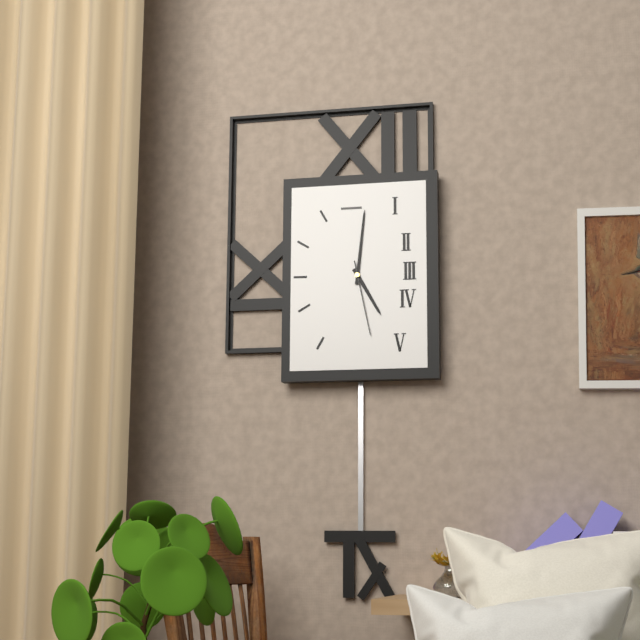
5:01:28
